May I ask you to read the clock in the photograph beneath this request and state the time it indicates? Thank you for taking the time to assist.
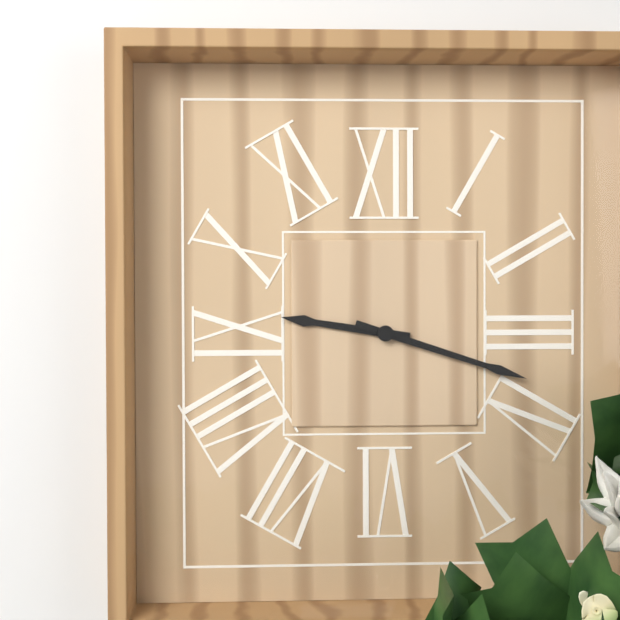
9:18
